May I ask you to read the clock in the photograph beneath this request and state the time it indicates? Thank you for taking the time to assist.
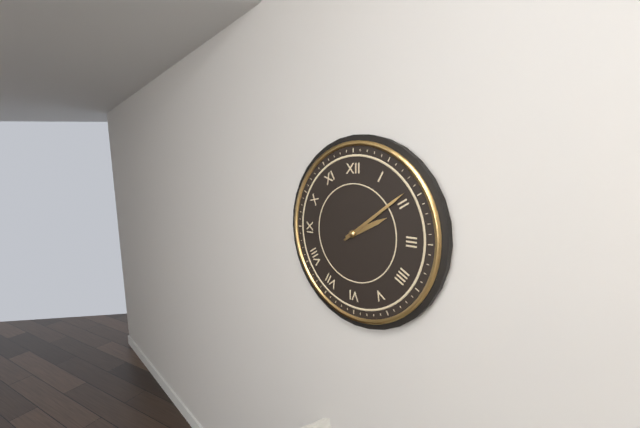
2:09
